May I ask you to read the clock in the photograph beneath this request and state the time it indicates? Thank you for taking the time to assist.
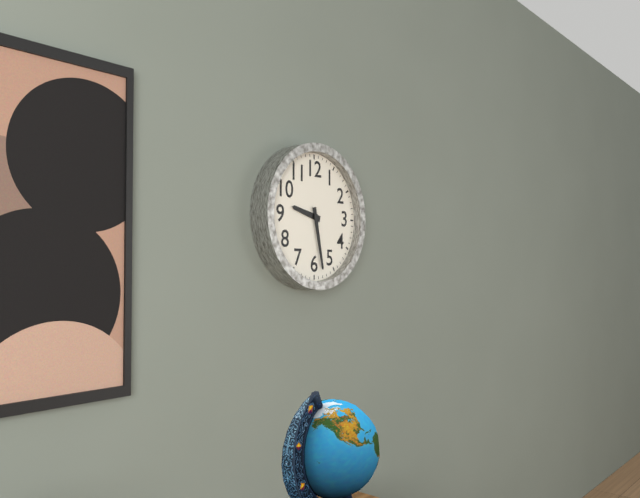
9:28
